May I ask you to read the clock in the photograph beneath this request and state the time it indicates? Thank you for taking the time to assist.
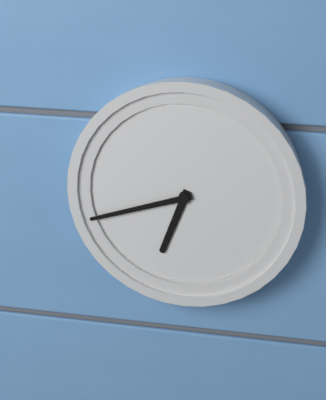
6:42
